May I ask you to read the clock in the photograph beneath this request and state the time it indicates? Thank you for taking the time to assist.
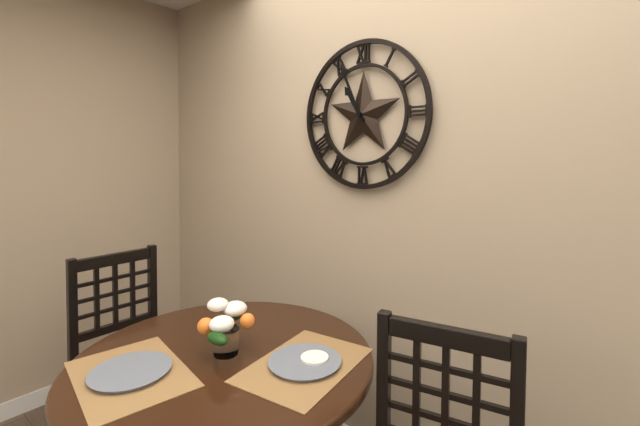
10:56
